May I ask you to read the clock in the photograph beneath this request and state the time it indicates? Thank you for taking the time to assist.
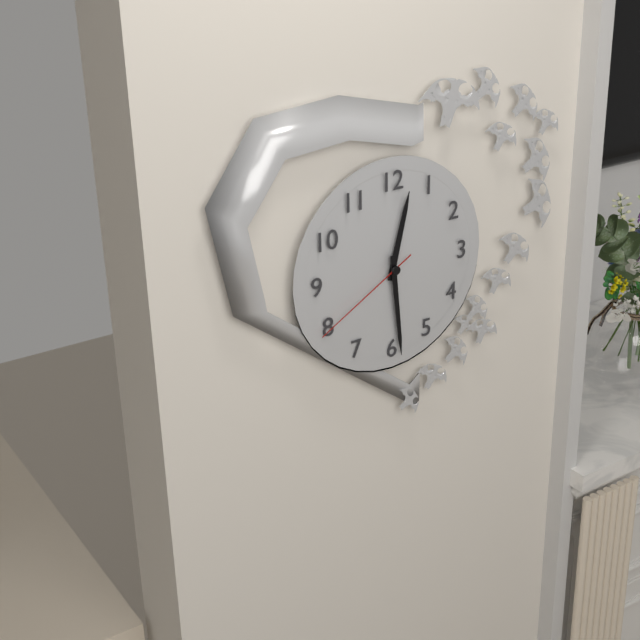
12:29:40
